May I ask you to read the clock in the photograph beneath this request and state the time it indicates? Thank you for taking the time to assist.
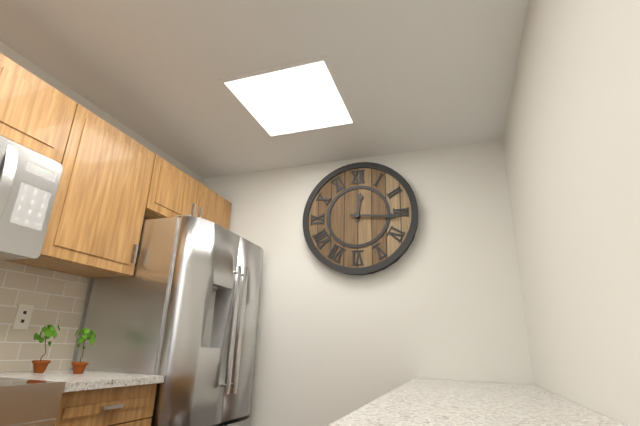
12:16
